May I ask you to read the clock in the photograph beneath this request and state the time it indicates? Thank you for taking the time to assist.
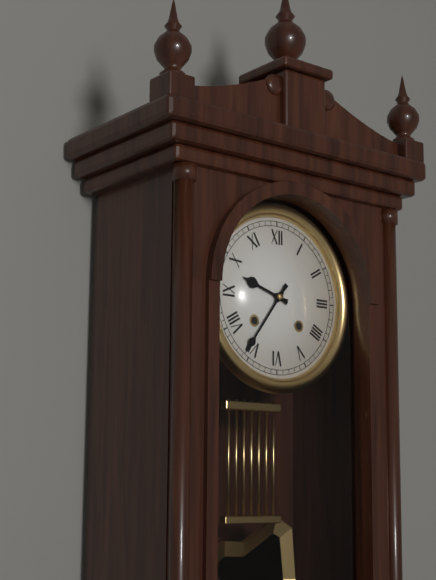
9:36
